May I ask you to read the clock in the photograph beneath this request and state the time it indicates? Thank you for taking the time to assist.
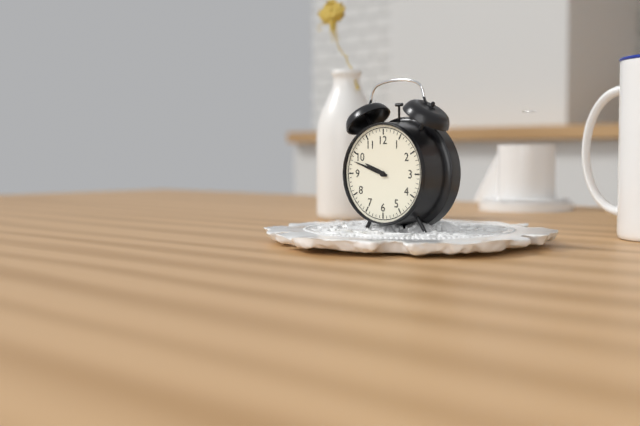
9:48
